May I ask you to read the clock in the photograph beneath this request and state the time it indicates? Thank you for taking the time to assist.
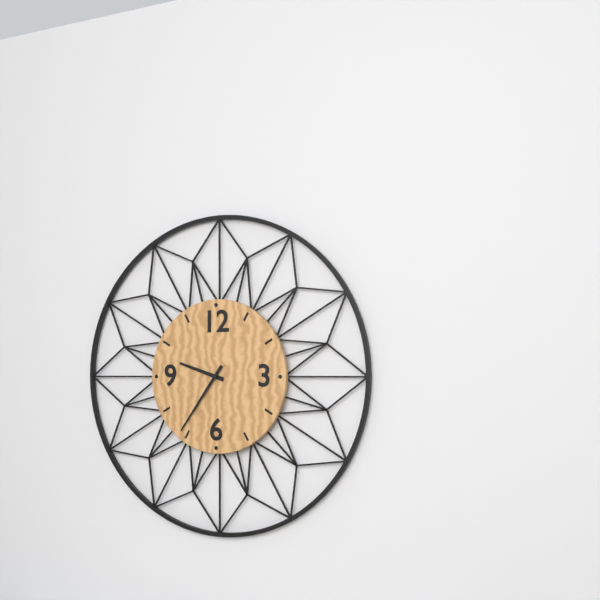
9:36
